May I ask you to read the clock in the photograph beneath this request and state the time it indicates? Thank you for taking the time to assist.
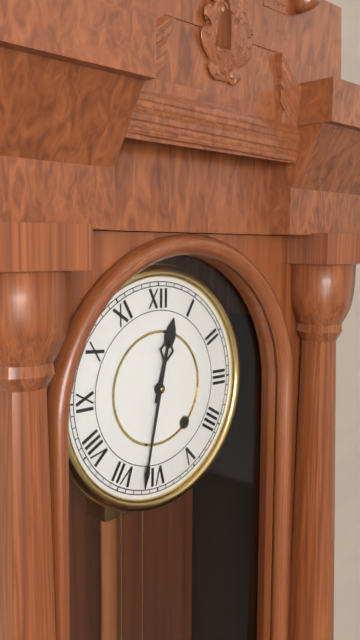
12:32
